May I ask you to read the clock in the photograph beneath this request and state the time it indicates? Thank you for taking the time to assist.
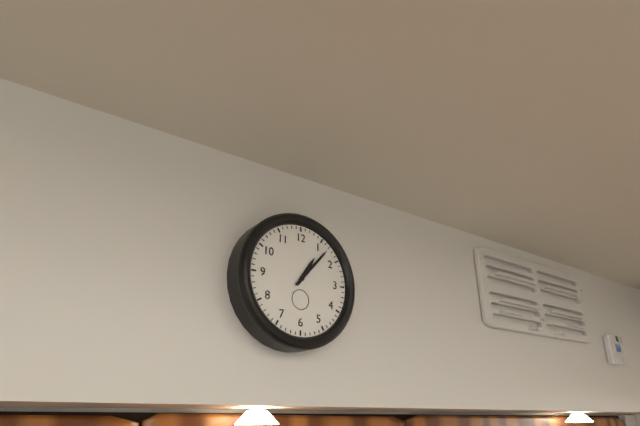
1:07
